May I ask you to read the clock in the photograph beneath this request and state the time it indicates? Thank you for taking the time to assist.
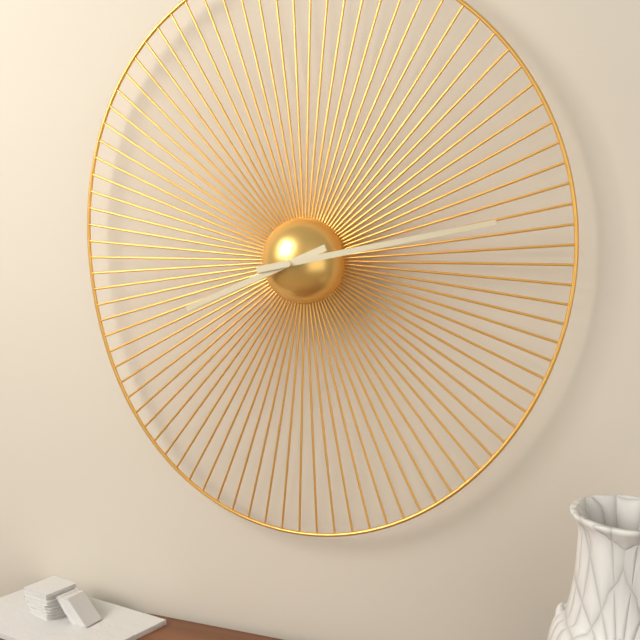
8:13
